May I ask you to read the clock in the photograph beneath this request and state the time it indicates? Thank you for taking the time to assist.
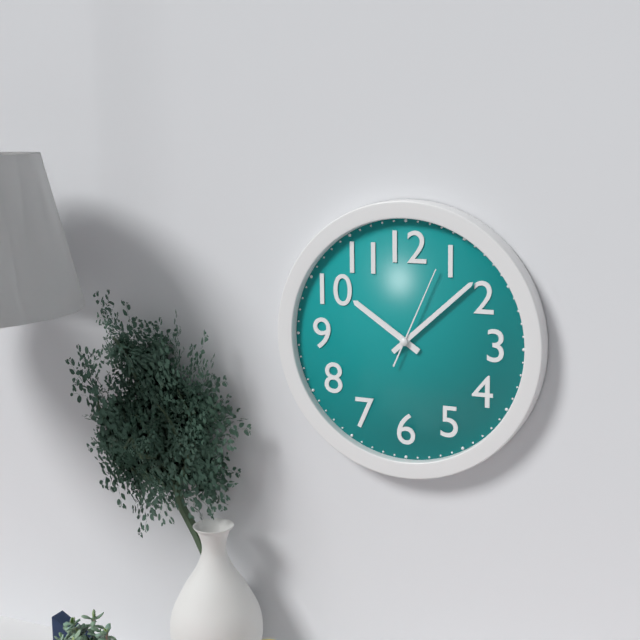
10:08:04
